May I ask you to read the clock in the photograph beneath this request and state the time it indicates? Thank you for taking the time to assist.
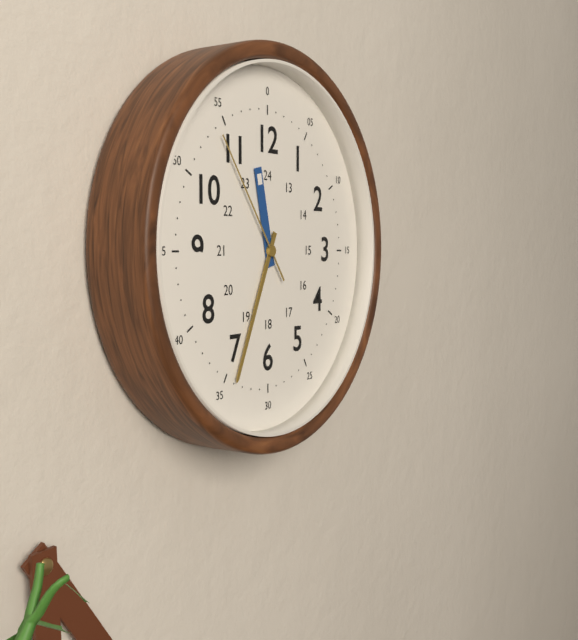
11:34:54
